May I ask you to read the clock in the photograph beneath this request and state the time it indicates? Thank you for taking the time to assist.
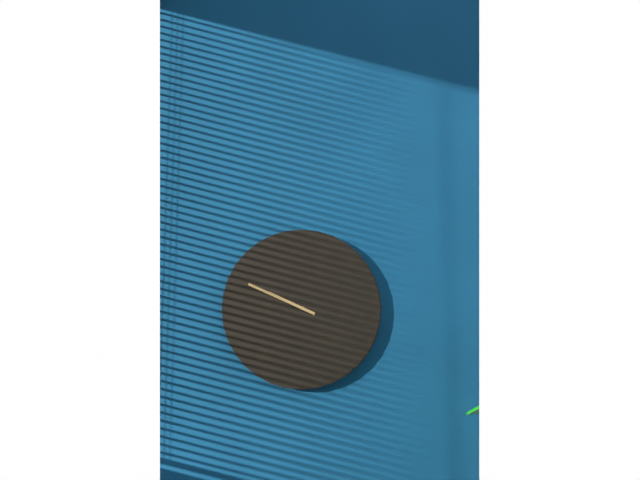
9:49
